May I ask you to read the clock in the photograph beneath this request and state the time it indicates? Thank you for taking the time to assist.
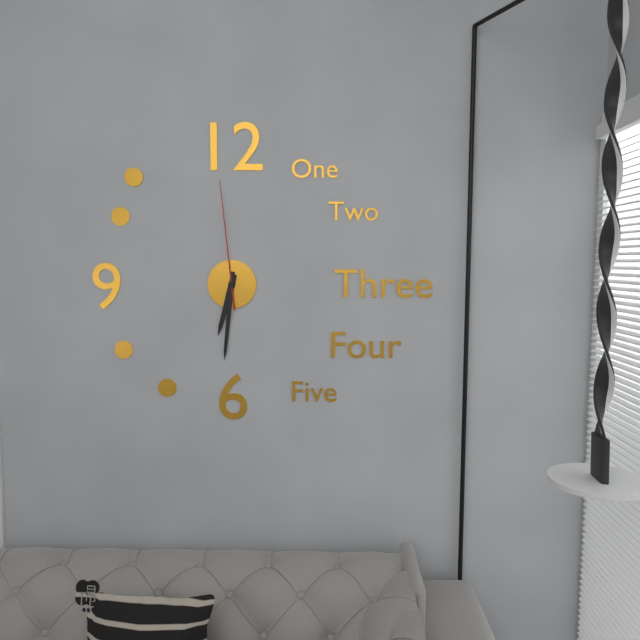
6:31:59
